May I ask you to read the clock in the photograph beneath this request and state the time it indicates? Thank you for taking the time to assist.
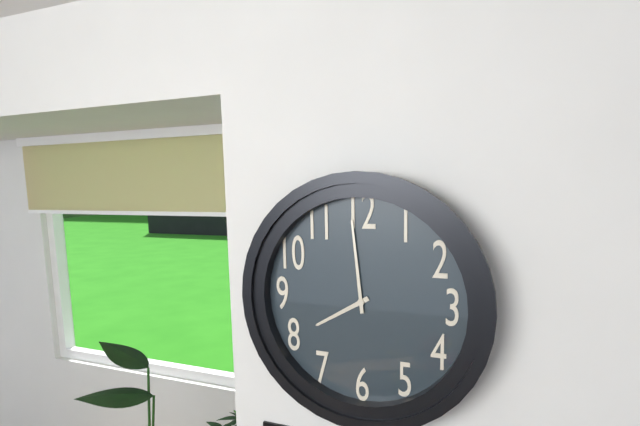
7:59
